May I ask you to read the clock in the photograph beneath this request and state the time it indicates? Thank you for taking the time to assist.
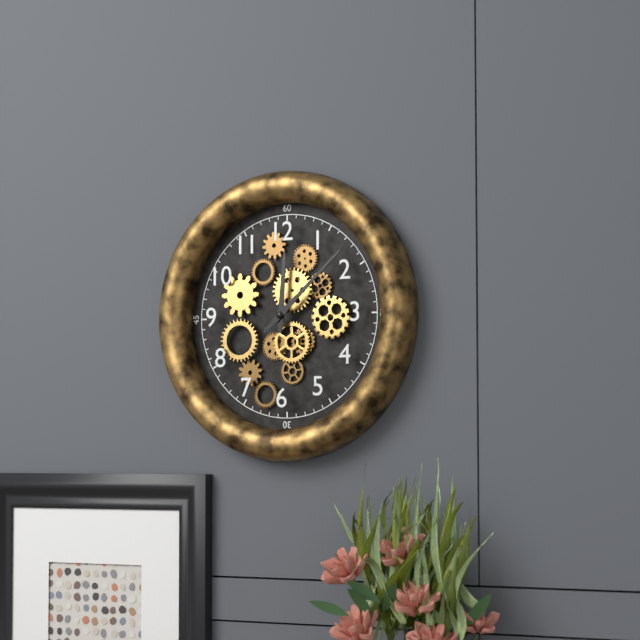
12:08
